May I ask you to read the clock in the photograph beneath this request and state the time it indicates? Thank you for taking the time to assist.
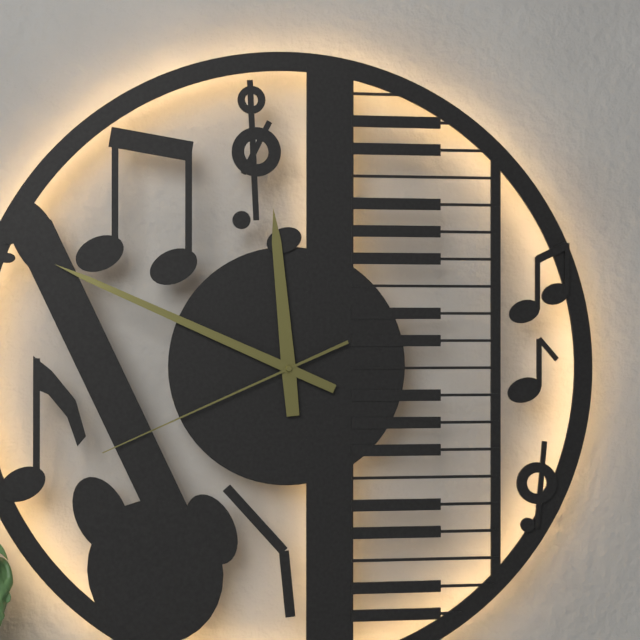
11:49:41
